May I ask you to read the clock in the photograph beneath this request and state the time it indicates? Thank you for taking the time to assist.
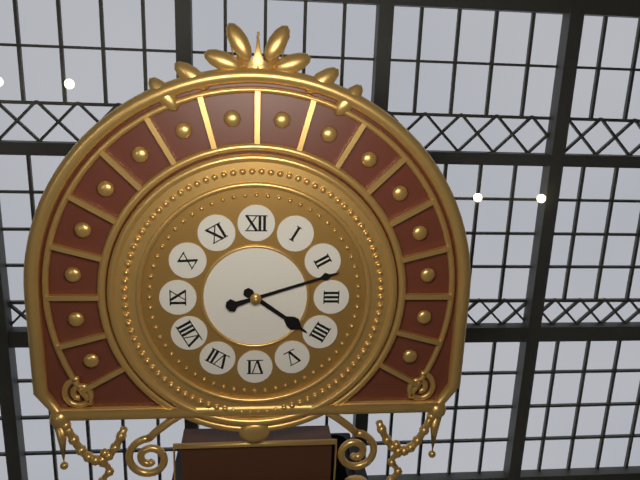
4:12
